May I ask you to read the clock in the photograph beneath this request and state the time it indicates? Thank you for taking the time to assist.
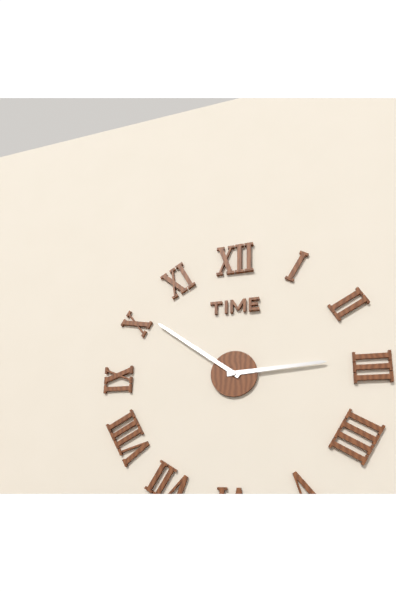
2:51
